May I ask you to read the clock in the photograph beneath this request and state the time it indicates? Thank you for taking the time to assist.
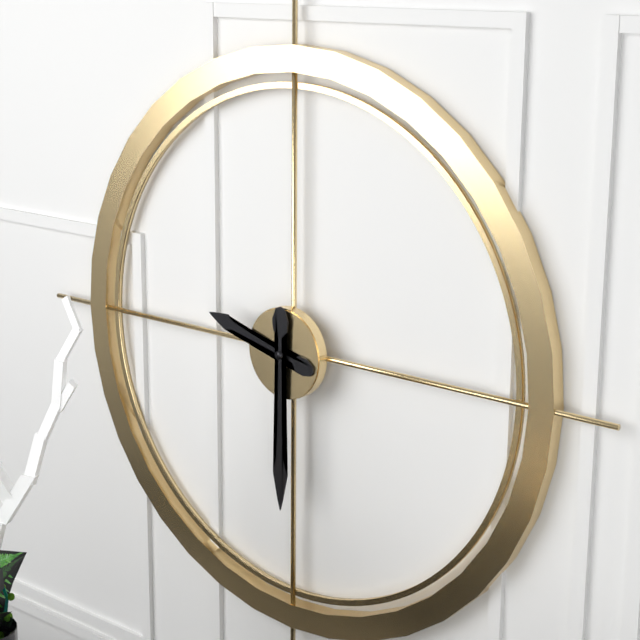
9:30
